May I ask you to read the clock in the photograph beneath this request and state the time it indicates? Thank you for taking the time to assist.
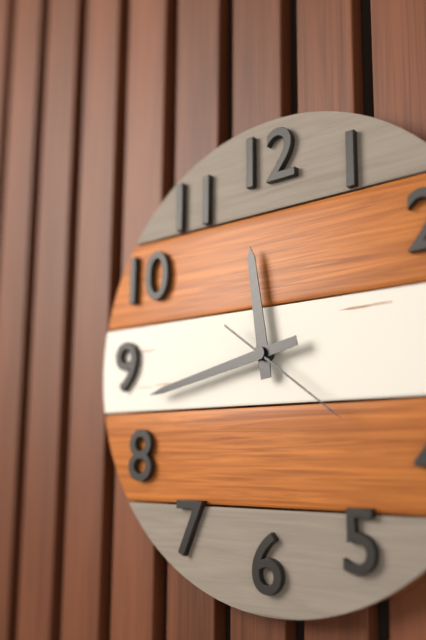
11:43:21
